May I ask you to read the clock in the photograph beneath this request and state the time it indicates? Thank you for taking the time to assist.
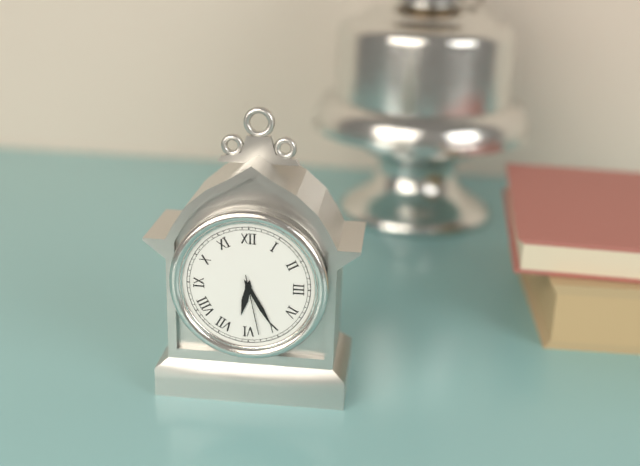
6:25:28
